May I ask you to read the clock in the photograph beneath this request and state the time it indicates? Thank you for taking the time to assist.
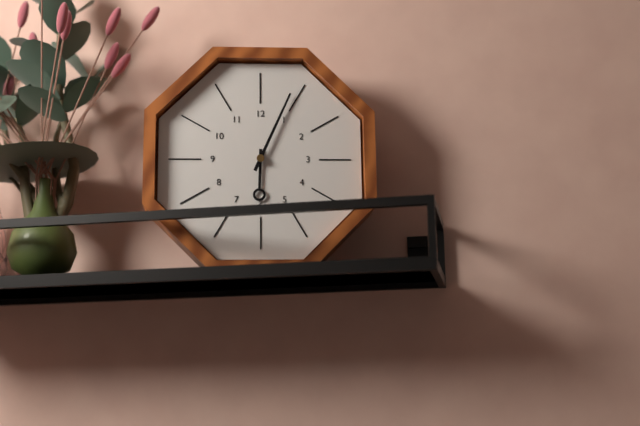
6:04
